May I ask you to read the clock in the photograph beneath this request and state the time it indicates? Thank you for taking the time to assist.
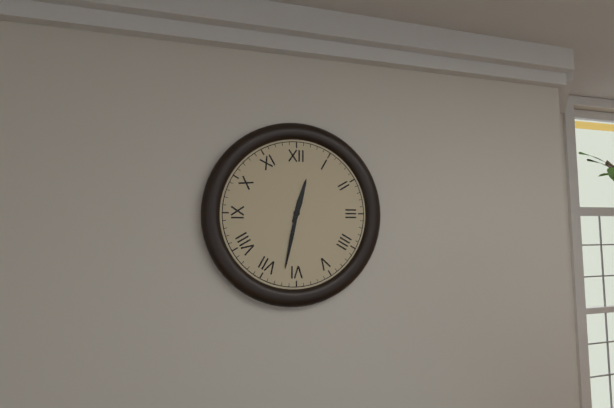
12:32
